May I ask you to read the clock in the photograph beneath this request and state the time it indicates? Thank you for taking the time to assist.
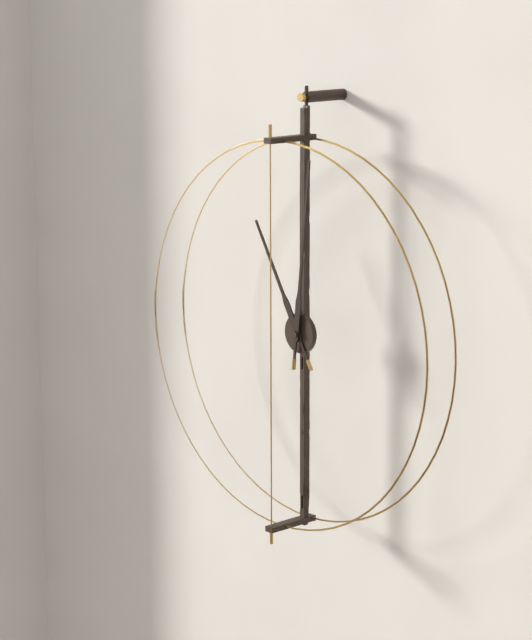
11:01
